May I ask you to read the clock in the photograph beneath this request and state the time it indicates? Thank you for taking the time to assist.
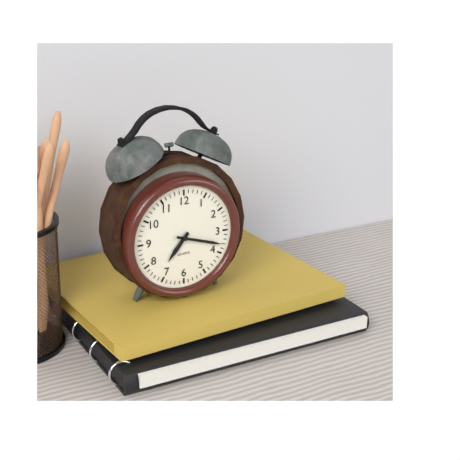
7:18
